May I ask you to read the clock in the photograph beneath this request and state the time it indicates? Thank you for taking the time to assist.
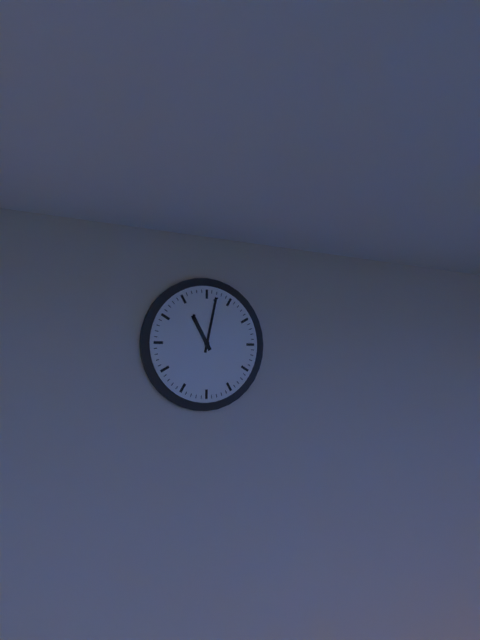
11:02
